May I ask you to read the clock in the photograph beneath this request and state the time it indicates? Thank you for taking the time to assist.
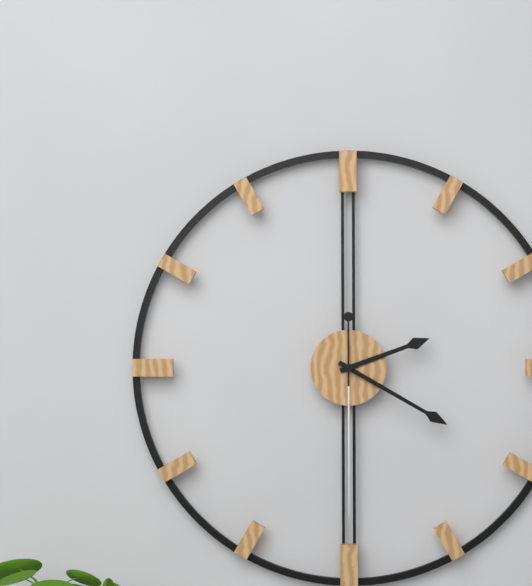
2:20:30
